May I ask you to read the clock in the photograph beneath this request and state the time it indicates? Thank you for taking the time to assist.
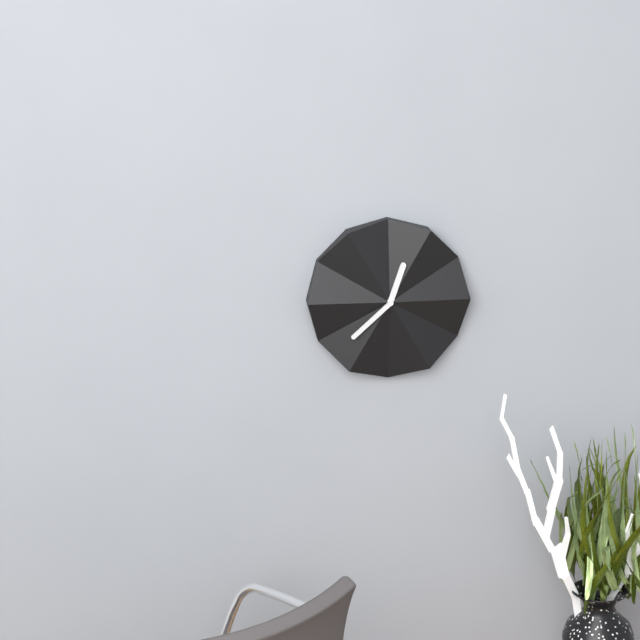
12:38
